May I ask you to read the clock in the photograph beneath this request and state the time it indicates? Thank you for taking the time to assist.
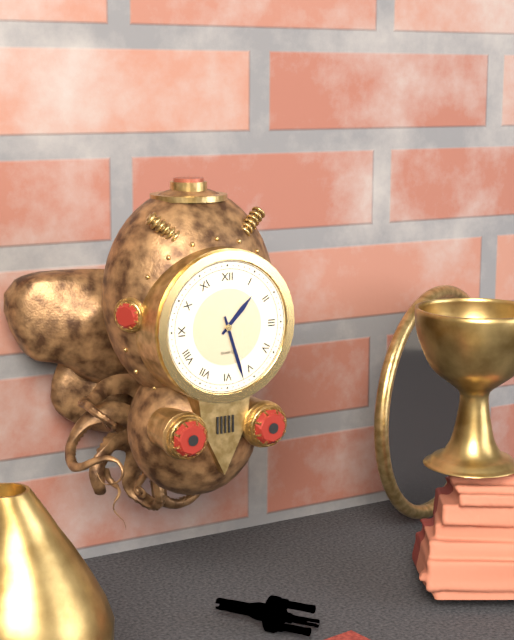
1:27
